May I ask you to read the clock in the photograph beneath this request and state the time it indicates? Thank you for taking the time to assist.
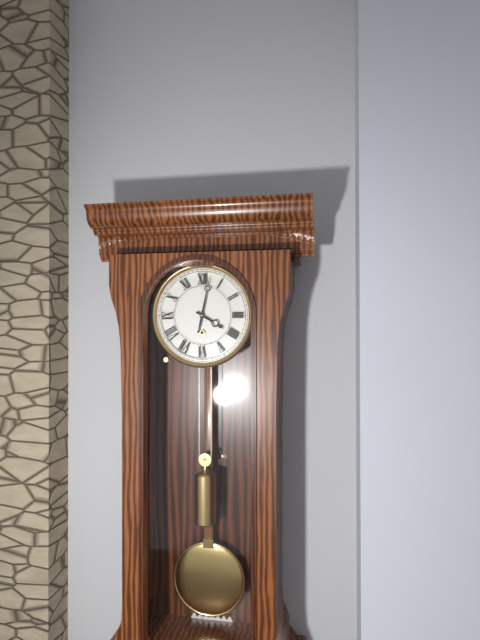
4:02
